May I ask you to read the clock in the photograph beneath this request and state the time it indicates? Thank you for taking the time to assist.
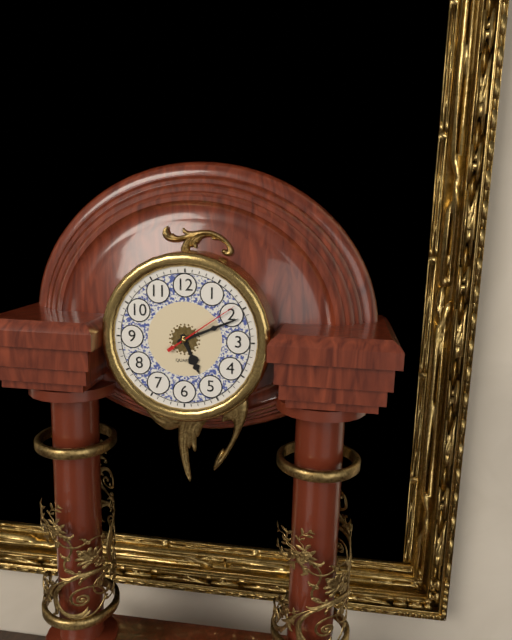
5:11:09
